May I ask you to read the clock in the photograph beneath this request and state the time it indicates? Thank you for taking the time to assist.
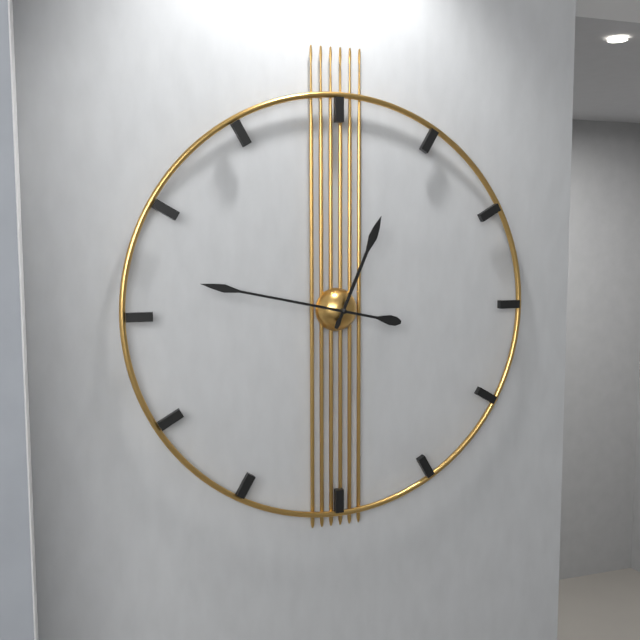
12:47
